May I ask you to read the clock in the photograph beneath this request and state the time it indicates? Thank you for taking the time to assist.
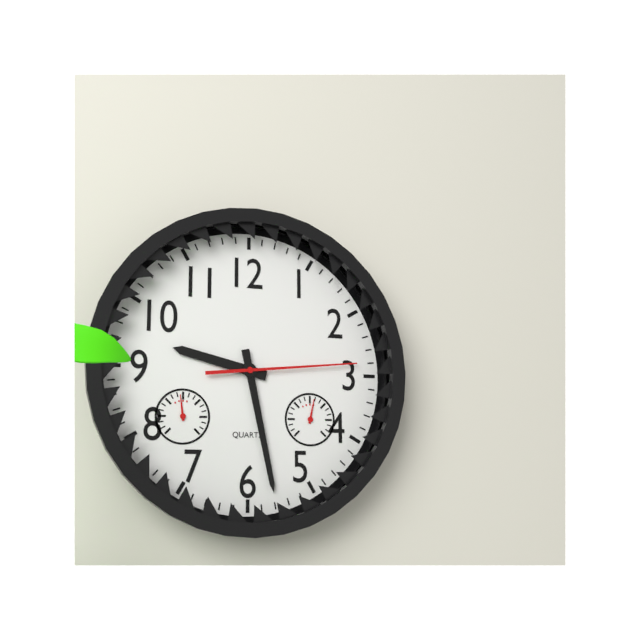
9:28:14
